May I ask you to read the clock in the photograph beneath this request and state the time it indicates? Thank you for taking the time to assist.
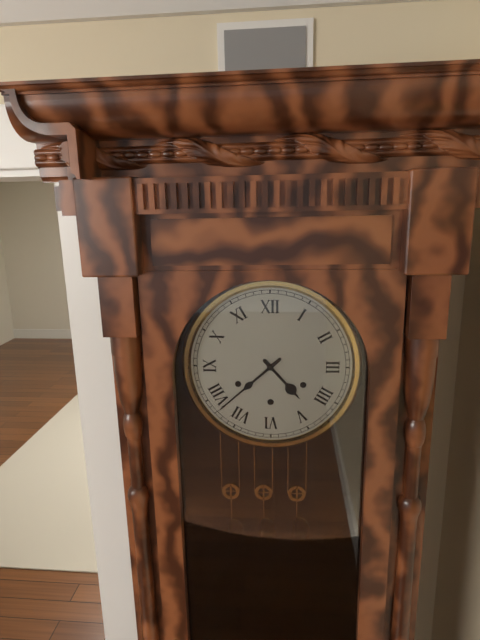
4:38
